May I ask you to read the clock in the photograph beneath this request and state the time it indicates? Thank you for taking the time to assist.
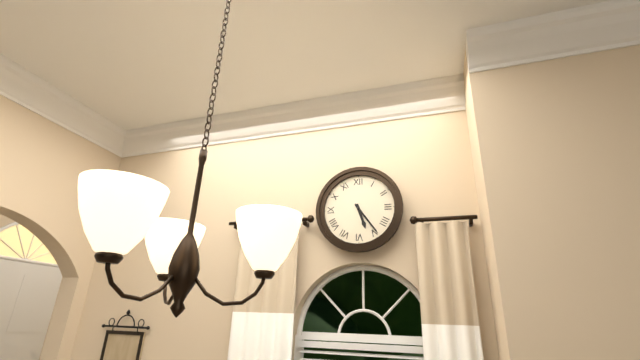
5:24
